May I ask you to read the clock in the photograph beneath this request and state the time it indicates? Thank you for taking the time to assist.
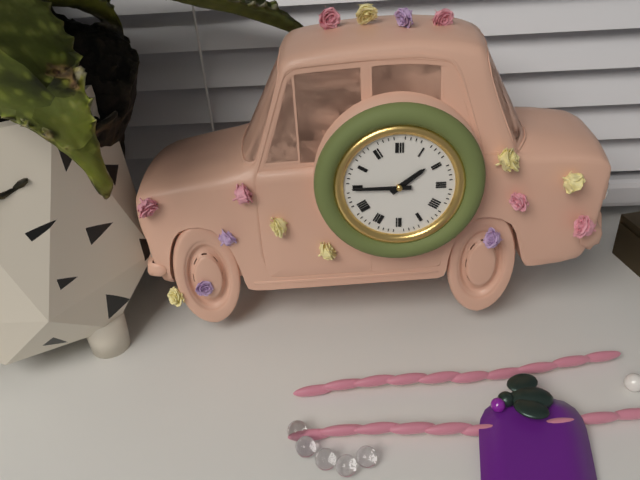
1:45
